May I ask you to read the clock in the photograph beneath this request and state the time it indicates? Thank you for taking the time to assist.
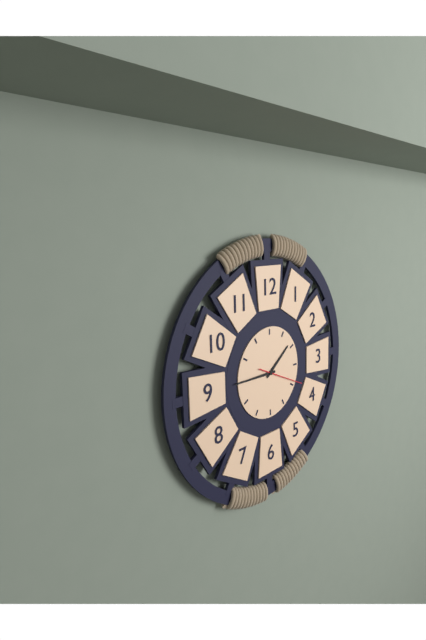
1:45
